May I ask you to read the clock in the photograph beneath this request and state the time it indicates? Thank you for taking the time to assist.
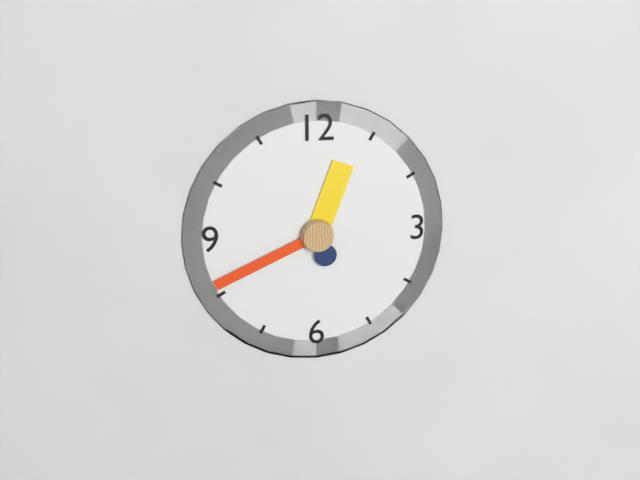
12:41
